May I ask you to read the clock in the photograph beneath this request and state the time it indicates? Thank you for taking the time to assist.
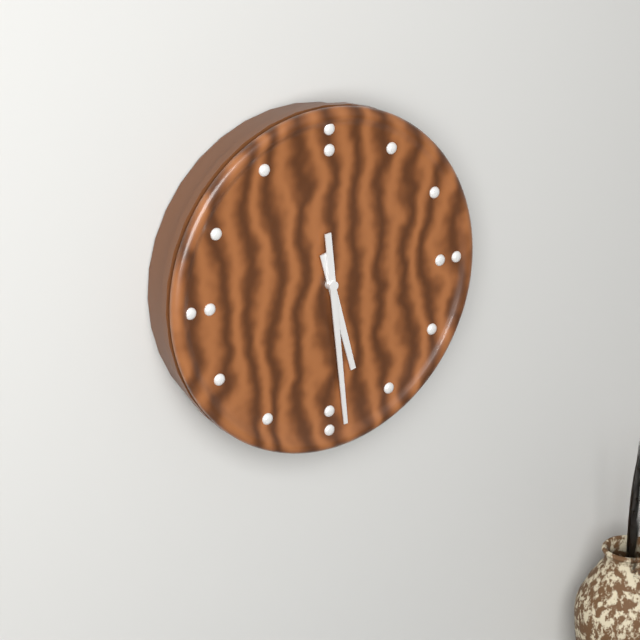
5:29
